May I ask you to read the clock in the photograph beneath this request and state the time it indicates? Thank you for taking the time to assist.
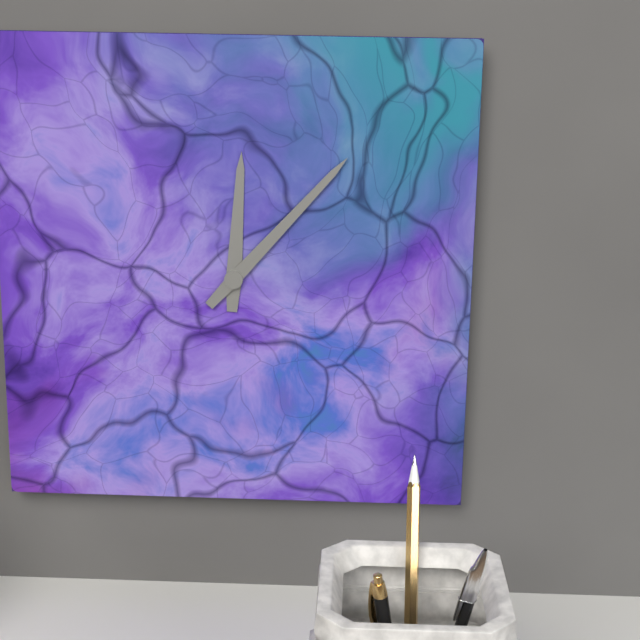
12:07
